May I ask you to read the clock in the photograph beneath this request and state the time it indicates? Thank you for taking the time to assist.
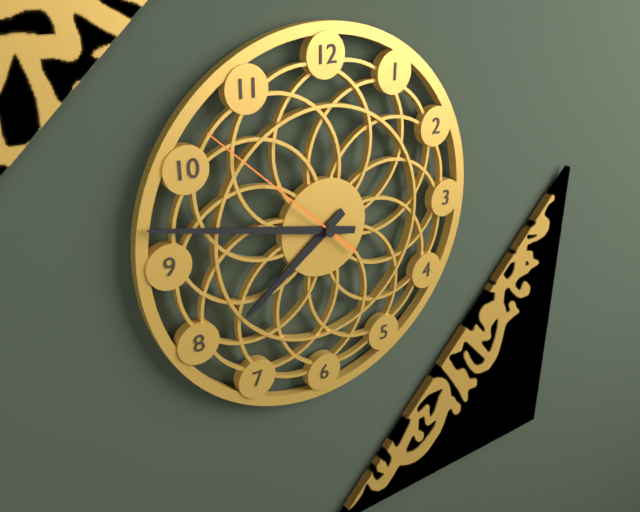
7:47:52
